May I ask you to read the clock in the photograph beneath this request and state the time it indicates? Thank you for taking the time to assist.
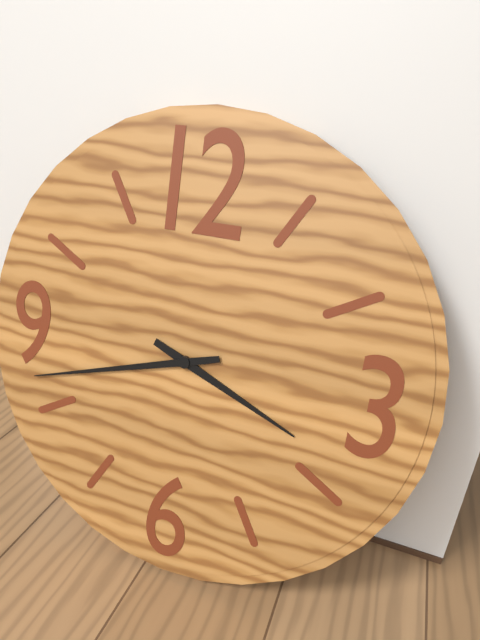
3:42
